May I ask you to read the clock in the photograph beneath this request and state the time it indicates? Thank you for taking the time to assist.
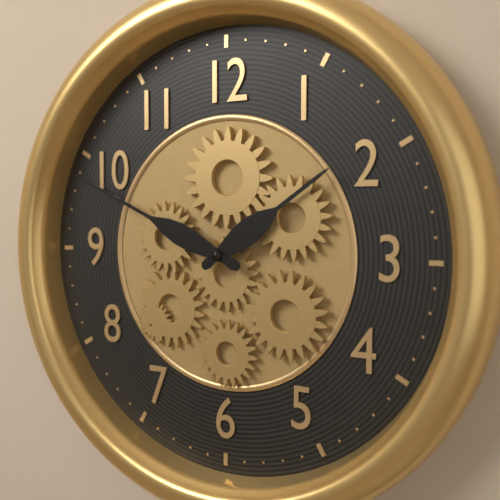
1:49
